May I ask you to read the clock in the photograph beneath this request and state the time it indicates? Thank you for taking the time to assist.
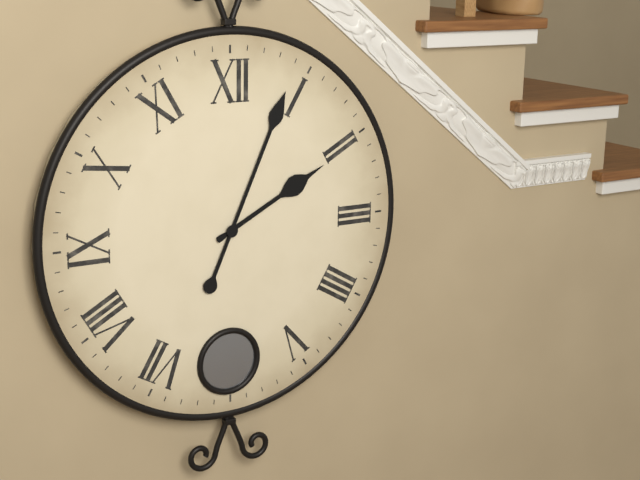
2:04
